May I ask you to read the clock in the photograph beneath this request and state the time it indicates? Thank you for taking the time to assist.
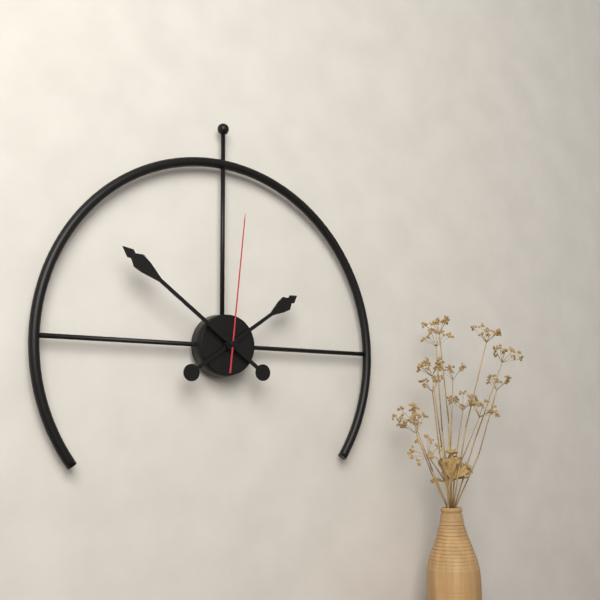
1:51:01
